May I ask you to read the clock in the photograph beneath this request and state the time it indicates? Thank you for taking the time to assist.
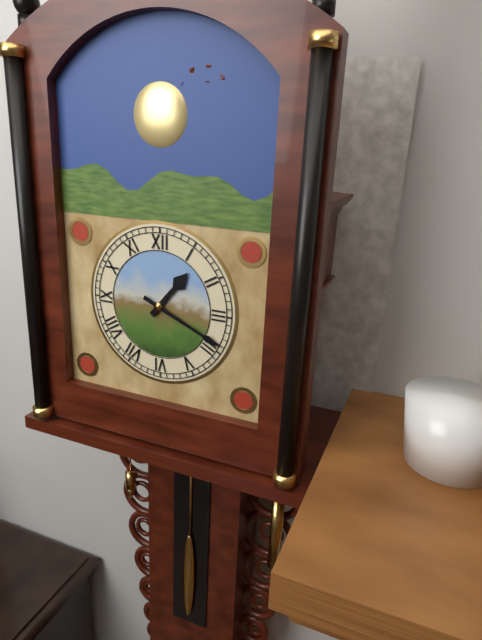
1:19
